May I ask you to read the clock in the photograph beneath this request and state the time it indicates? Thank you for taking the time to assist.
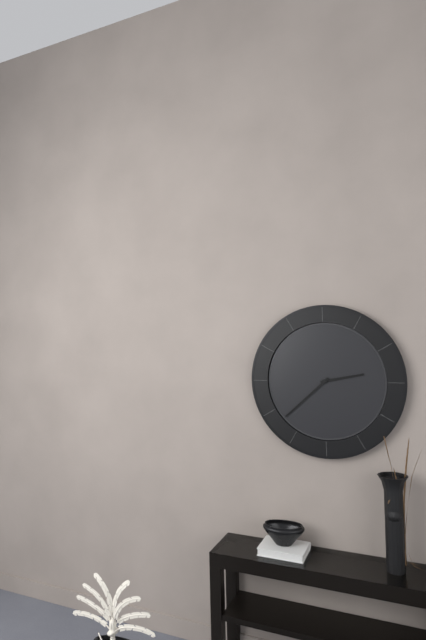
2:38
